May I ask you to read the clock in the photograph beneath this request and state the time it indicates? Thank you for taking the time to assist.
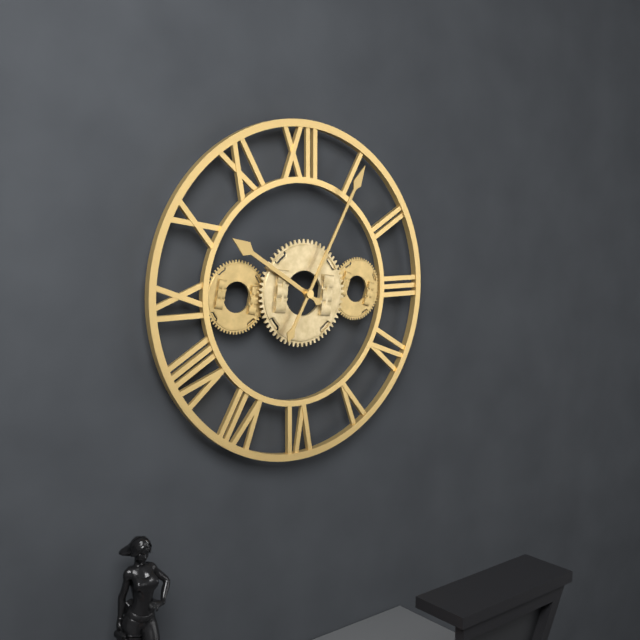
10:05
